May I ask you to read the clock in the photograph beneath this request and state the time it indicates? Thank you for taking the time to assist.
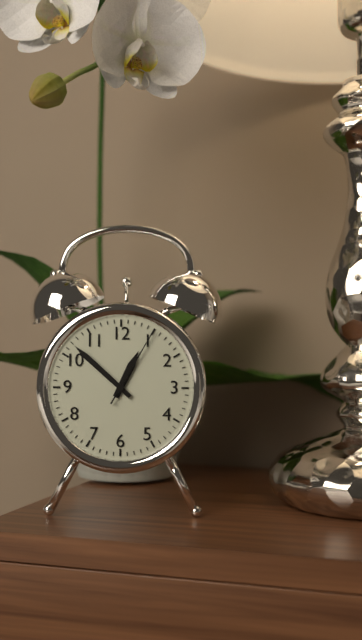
12:52:05
